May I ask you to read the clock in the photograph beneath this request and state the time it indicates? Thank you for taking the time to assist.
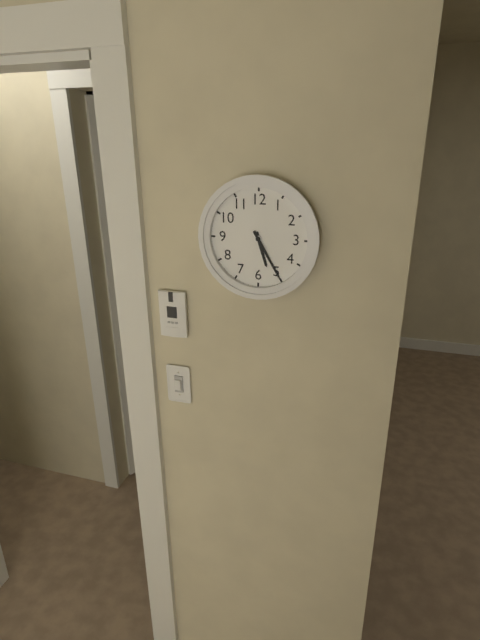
5:25
